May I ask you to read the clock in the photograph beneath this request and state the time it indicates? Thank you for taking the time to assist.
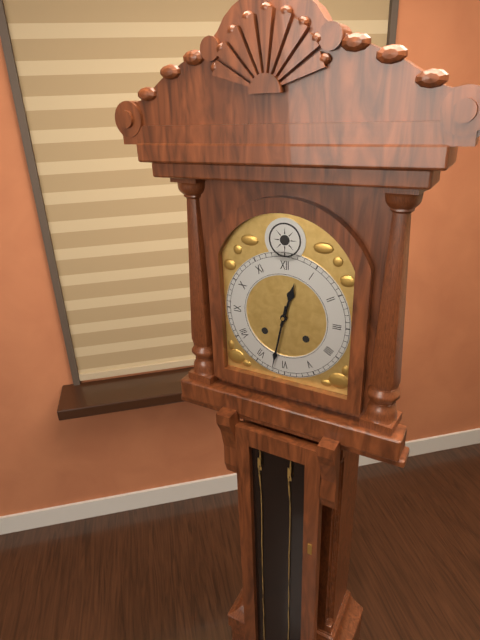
12:32
